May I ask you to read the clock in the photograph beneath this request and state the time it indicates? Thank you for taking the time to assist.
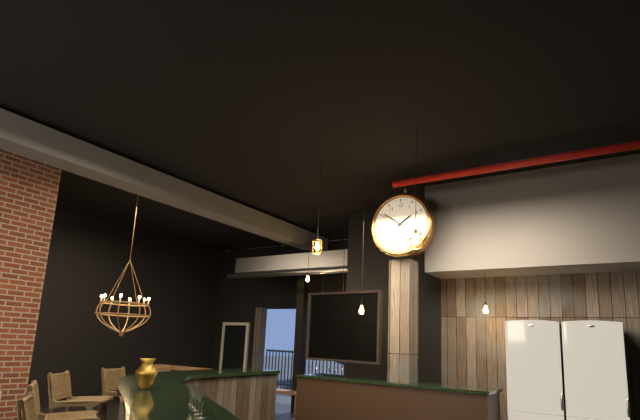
1:51
